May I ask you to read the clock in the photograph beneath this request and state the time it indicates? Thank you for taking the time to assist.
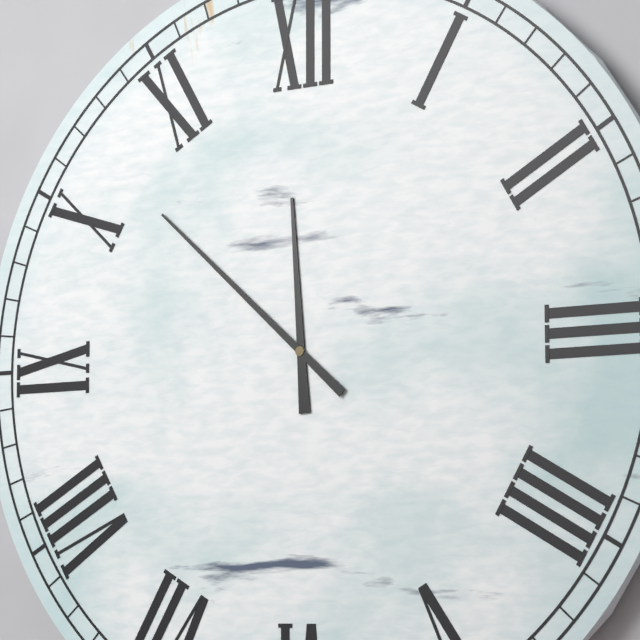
11:52
